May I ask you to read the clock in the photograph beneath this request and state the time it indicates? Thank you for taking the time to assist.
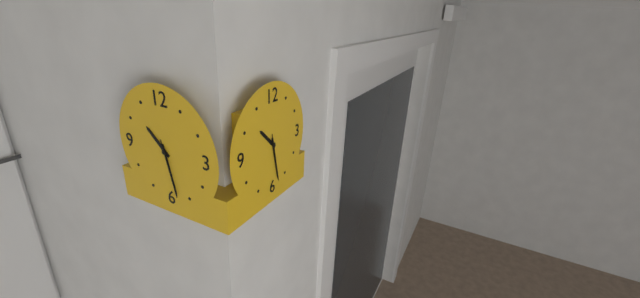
10:28
